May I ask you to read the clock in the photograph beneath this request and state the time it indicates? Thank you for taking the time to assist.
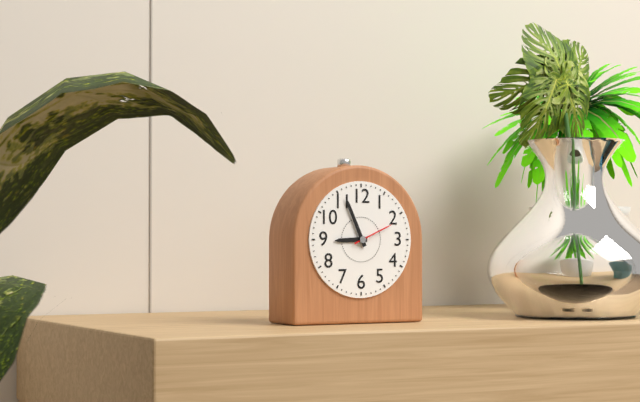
8:56
